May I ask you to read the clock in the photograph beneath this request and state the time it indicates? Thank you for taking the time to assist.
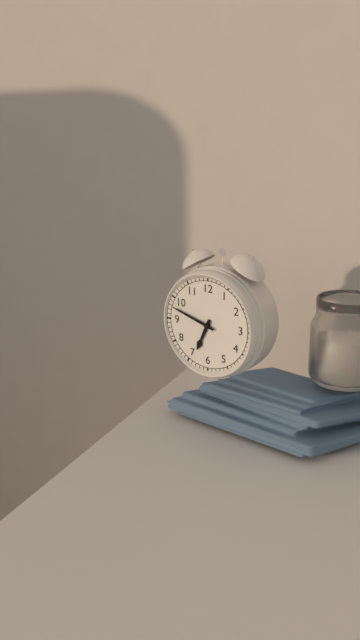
6:48
